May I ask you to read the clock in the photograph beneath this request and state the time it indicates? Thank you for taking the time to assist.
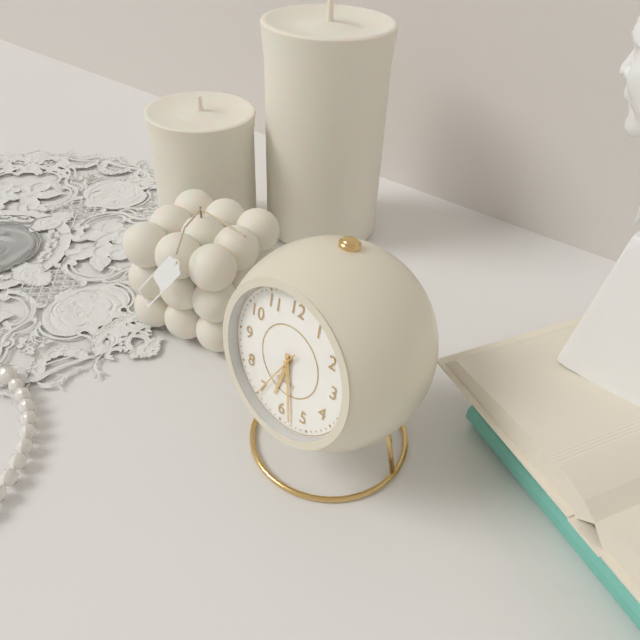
6:28:35
